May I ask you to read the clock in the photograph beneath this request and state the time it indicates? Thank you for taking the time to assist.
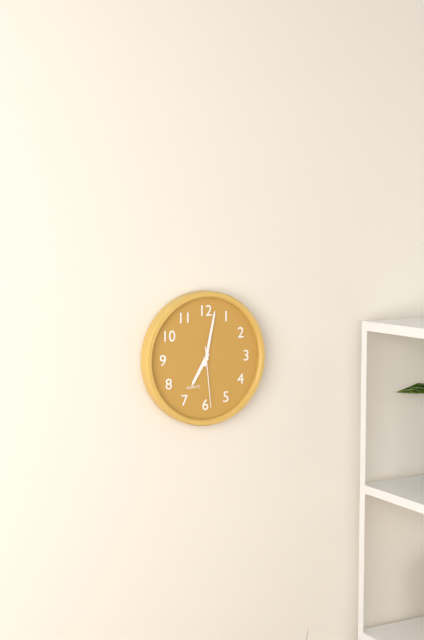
7:02:29
